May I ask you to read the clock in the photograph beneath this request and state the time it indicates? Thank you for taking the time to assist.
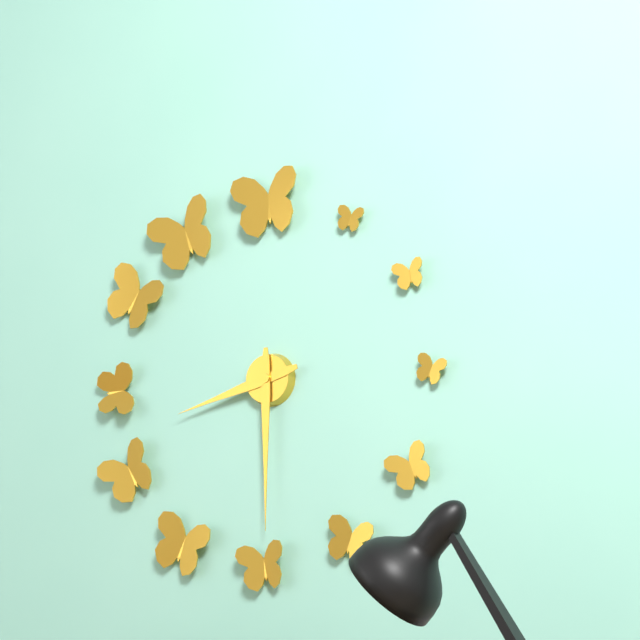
8:30
